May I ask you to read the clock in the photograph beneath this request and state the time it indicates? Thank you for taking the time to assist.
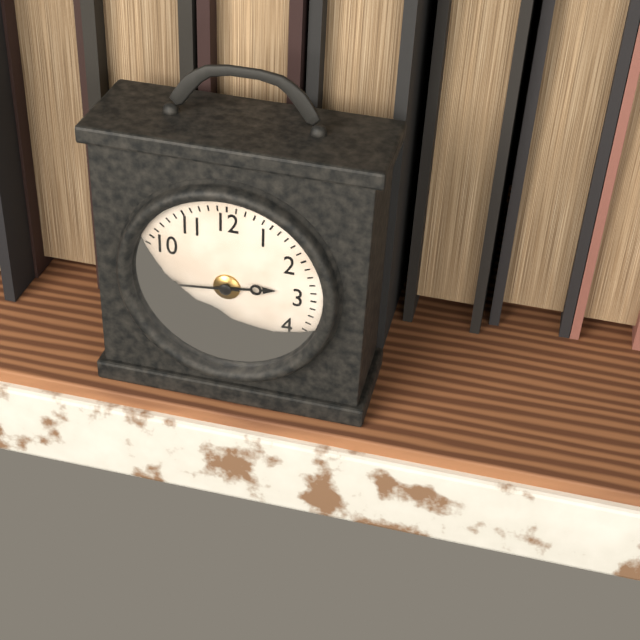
2:44
